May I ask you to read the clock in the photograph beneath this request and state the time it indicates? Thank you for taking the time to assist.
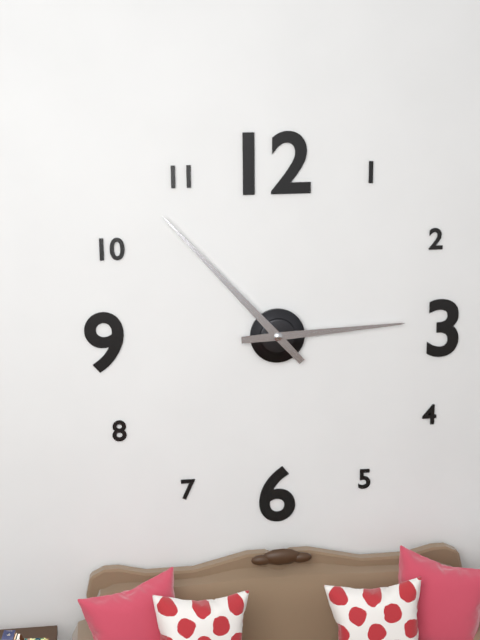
2:53
